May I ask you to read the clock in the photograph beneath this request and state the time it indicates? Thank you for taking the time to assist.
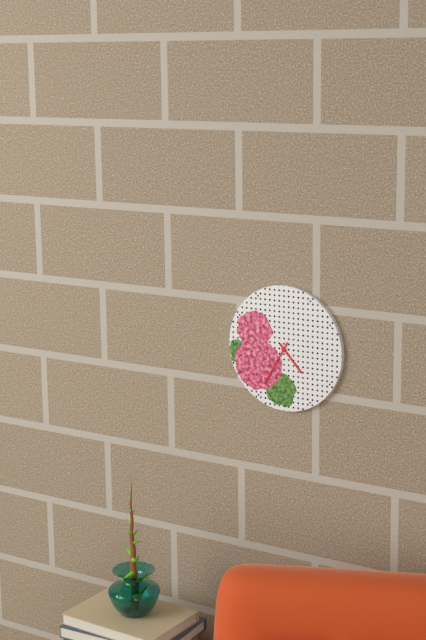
4:35
